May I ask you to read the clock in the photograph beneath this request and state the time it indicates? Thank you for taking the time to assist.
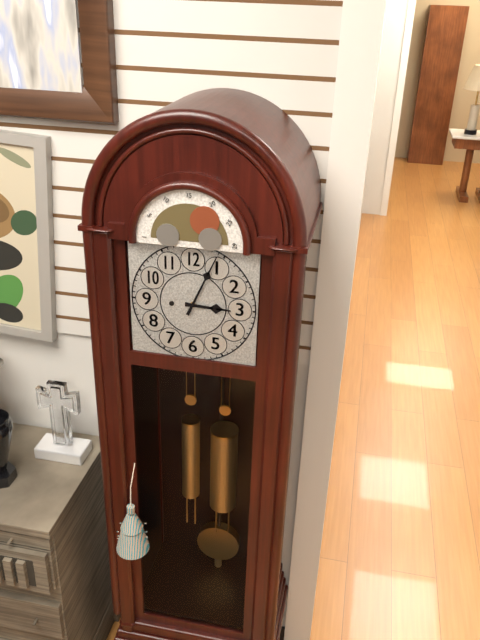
3:04
